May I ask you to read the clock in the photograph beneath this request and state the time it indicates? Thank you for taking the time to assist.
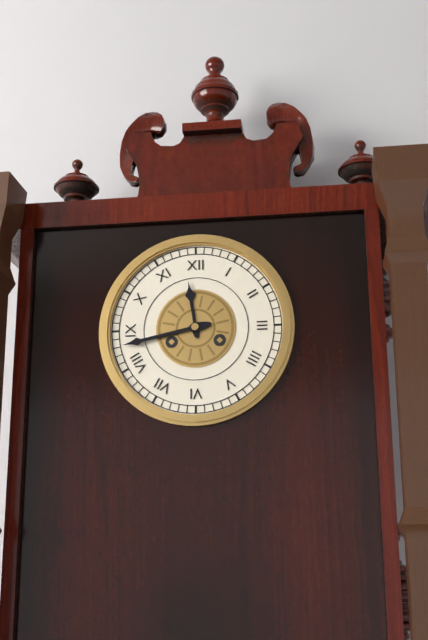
11:43
